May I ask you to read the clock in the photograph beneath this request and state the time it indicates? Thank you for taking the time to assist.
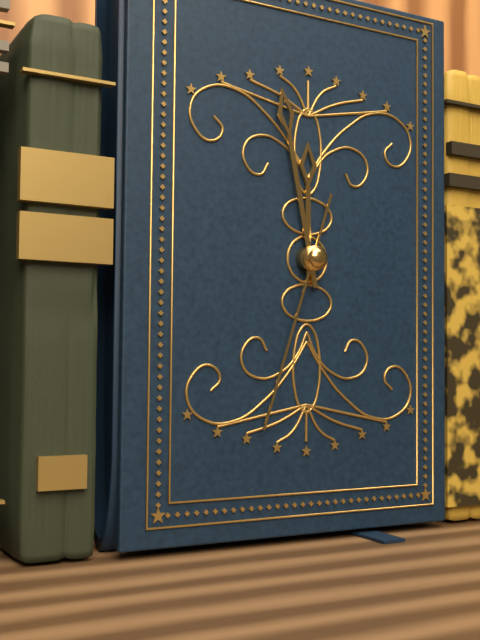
11:58:33
